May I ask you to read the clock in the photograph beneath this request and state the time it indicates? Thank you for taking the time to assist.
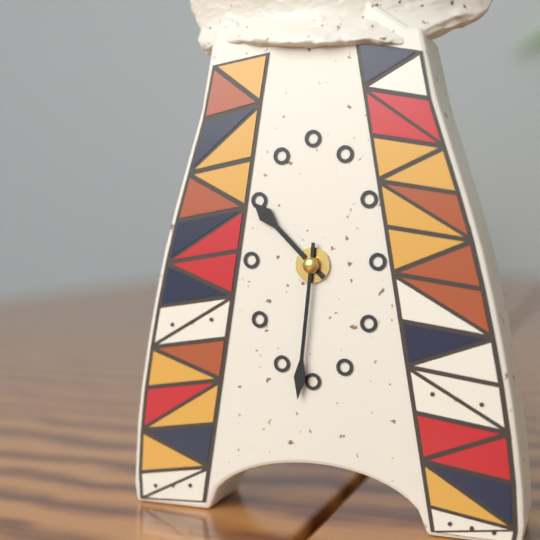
10:31
